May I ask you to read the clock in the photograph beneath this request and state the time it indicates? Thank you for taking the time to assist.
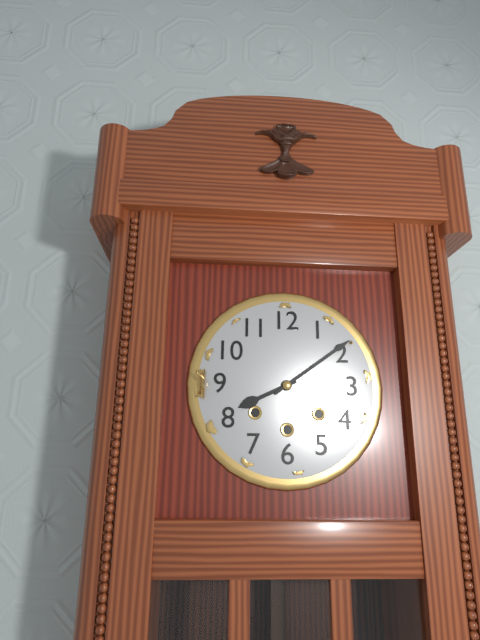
8:09
